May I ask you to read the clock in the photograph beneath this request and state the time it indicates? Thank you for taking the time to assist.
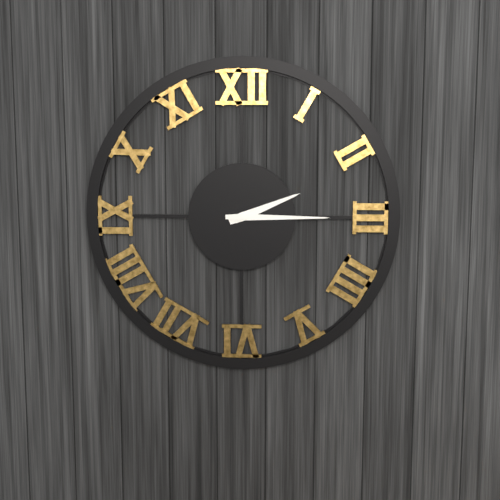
2:15
